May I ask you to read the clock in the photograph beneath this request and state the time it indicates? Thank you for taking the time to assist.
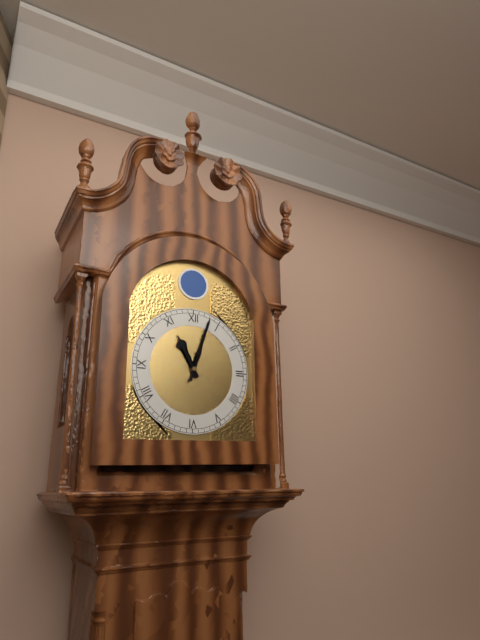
11:03
